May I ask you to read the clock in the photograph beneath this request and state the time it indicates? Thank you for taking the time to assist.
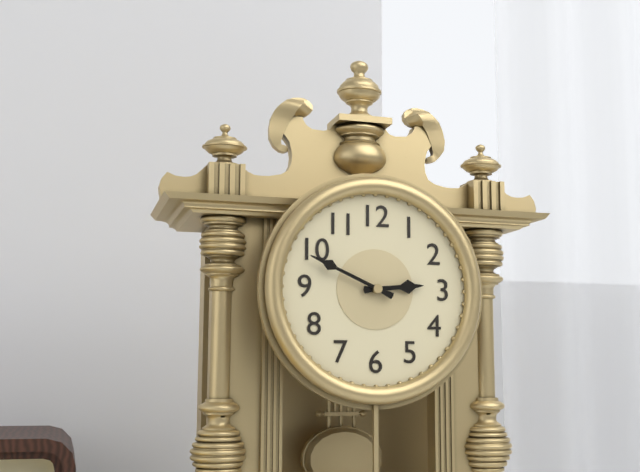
2:49
